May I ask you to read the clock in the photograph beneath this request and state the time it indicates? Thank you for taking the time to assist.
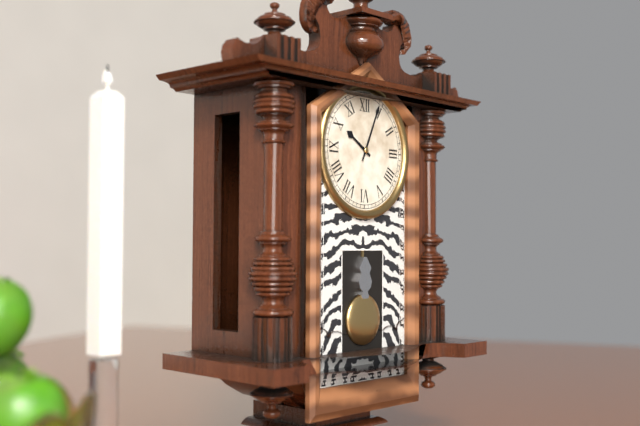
10:04
